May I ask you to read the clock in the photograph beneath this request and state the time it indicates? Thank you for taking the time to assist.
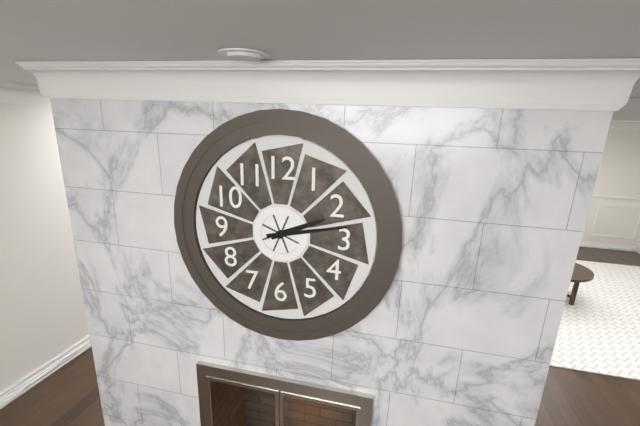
2:13
